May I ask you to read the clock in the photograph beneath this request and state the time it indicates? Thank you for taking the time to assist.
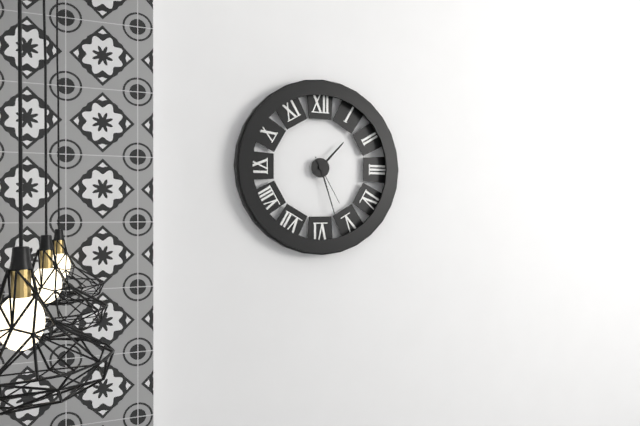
1:27:25
